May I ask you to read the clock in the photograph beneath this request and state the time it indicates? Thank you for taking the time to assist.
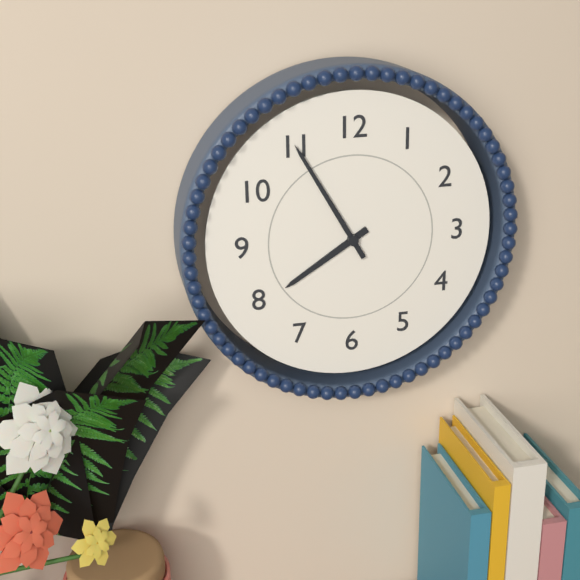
7:55
